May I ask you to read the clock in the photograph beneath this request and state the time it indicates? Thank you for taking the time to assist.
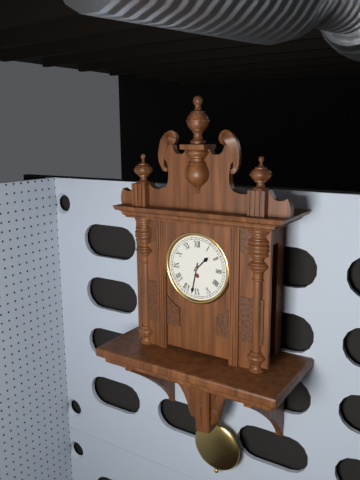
1:32
